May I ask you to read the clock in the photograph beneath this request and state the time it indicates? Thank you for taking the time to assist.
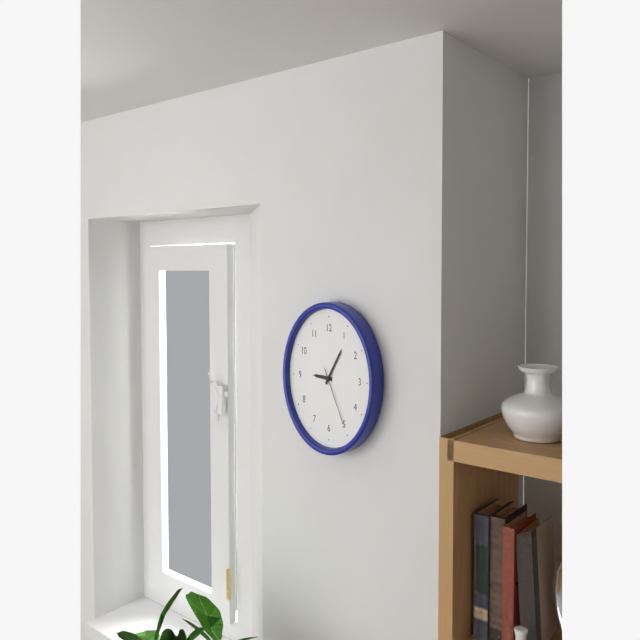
9:06:25
